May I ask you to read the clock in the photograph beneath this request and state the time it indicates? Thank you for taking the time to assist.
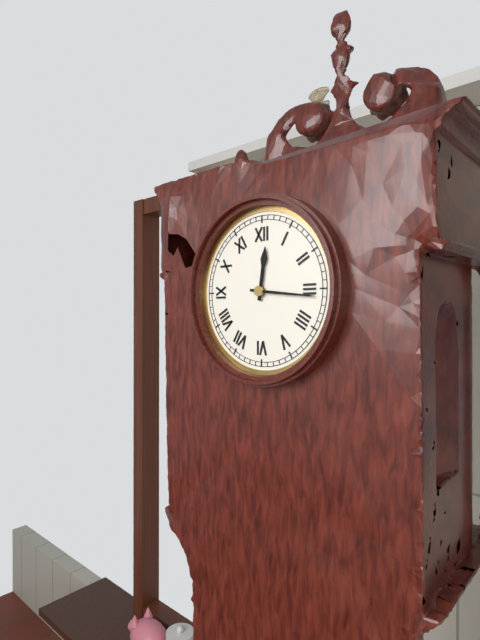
12:16
